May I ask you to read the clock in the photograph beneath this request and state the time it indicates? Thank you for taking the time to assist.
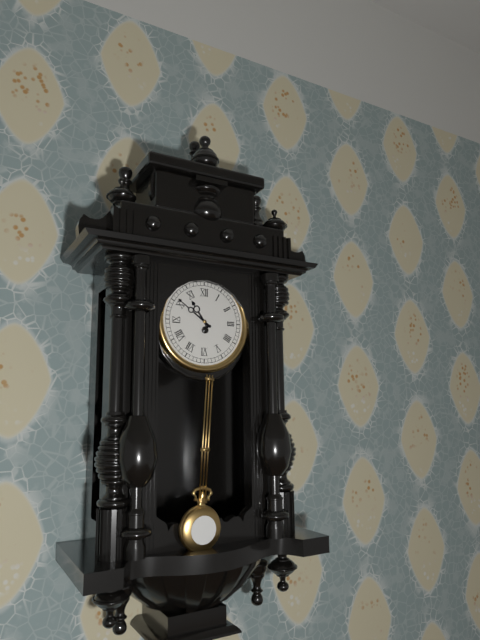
10:51
